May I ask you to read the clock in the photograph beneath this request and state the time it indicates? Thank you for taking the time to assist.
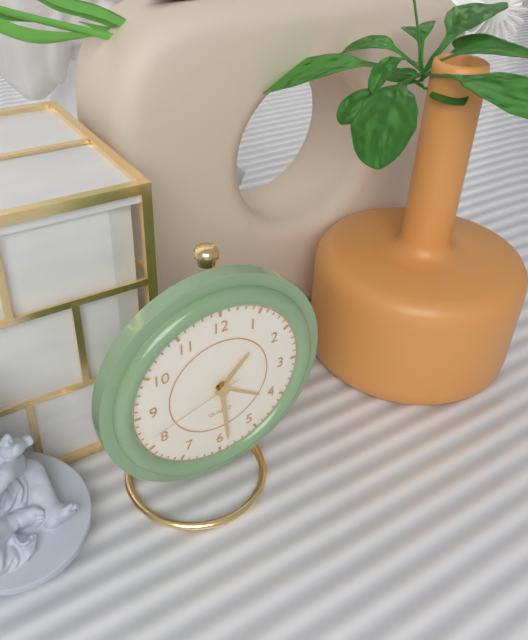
1:29:42
